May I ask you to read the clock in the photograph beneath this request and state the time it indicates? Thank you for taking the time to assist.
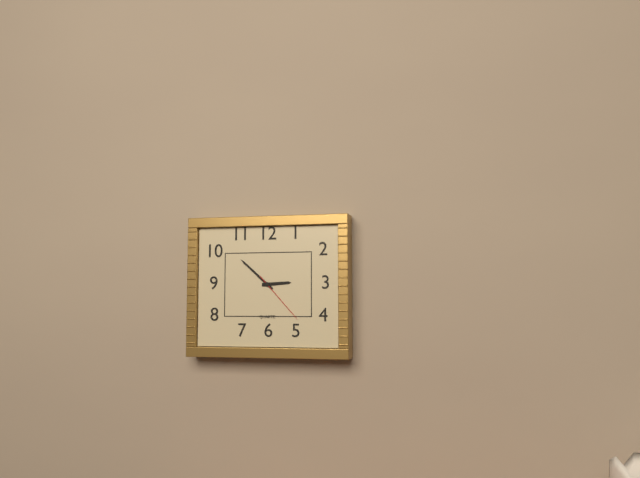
2:52:23
